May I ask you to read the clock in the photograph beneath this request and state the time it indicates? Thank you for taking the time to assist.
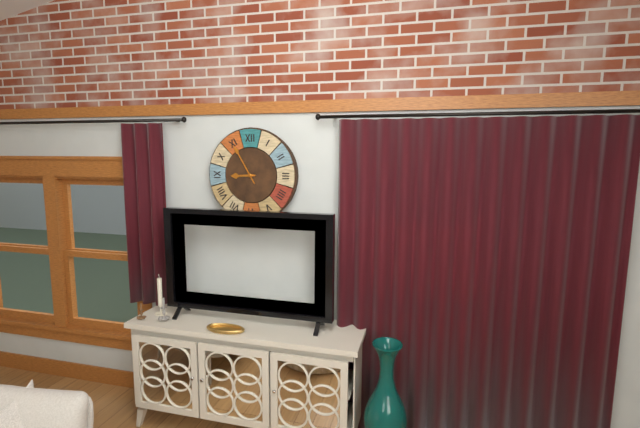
8:55
